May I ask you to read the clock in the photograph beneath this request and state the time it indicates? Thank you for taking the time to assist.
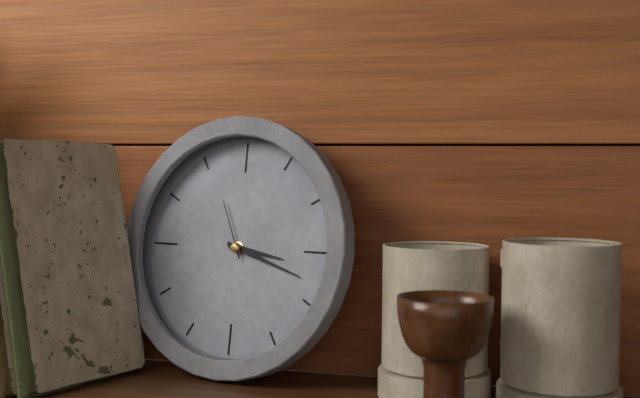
3:18:56
